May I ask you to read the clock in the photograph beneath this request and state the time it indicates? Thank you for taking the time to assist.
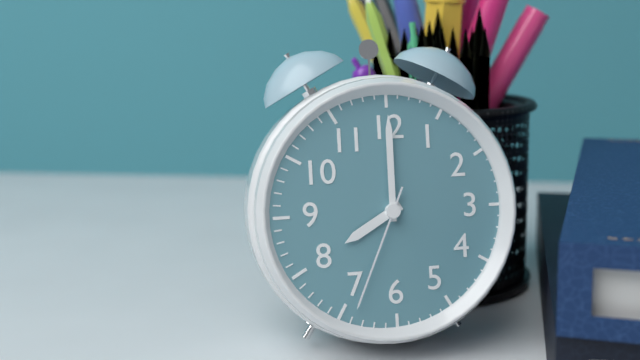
8:00:34
